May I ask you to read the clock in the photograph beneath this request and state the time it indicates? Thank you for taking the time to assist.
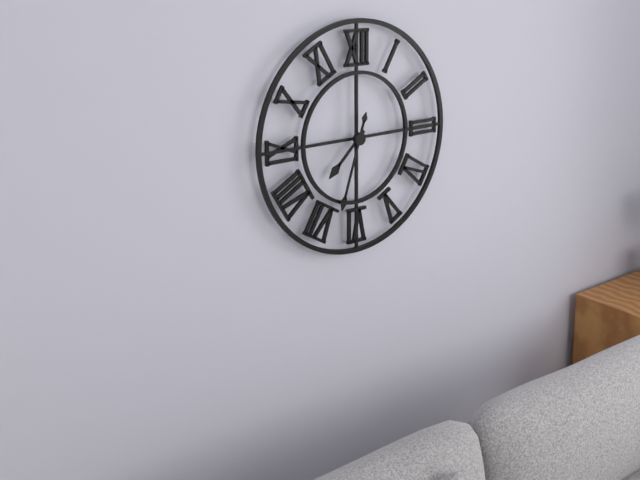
7:33
